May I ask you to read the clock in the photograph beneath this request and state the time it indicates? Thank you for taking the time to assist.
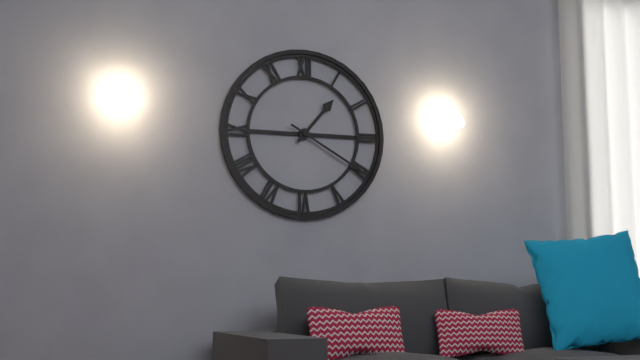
1:20
